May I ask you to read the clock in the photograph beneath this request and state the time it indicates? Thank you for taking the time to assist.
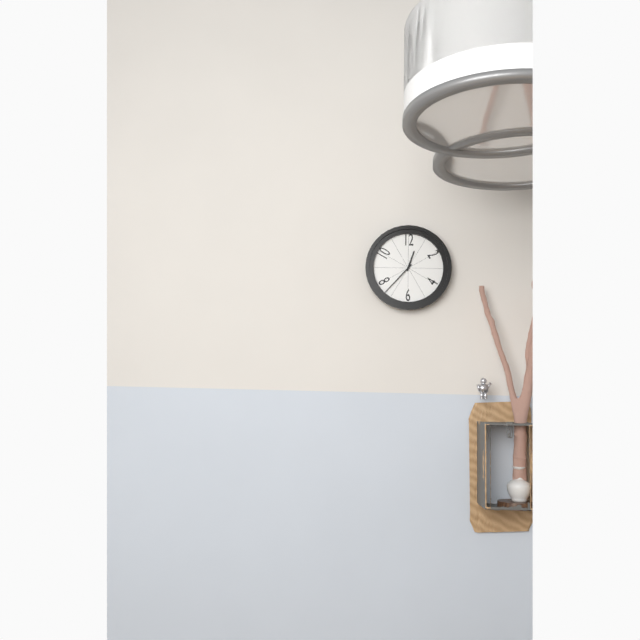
12:37
